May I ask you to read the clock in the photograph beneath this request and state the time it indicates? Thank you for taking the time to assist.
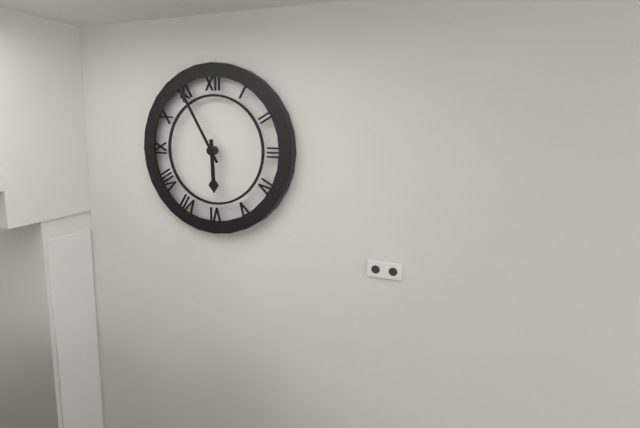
5:55
